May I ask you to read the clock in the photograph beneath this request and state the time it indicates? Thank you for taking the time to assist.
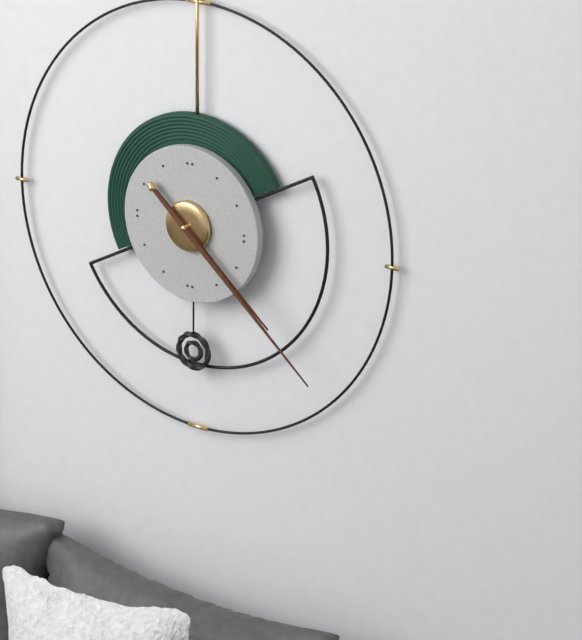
4:22
